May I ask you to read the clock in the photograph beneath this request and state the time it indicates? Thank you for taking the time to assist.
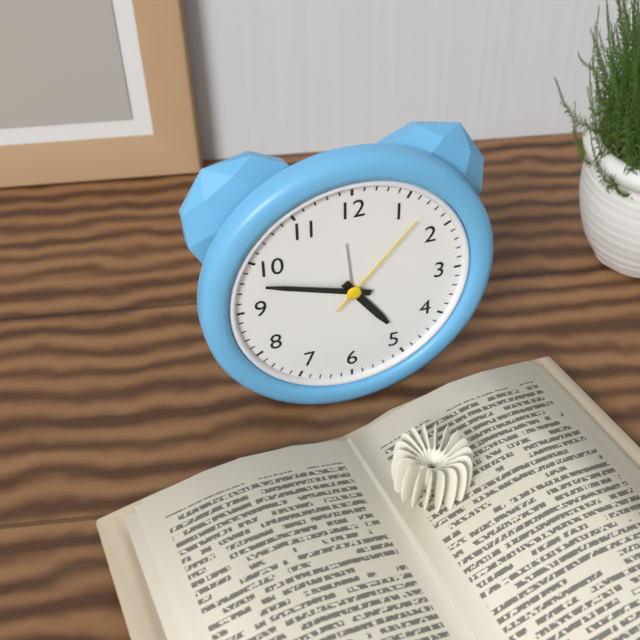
4:48:07
